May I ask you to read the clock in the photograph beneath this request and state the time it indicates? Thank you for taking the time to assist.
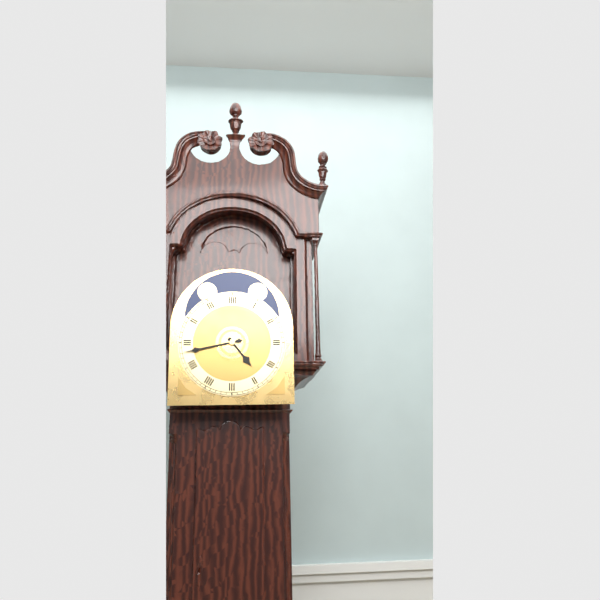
4:43
